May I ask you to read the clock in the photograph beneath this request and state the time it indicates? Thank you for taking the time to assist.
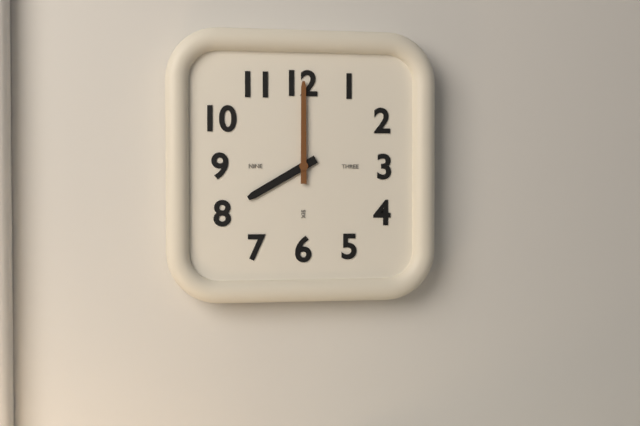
8:00
